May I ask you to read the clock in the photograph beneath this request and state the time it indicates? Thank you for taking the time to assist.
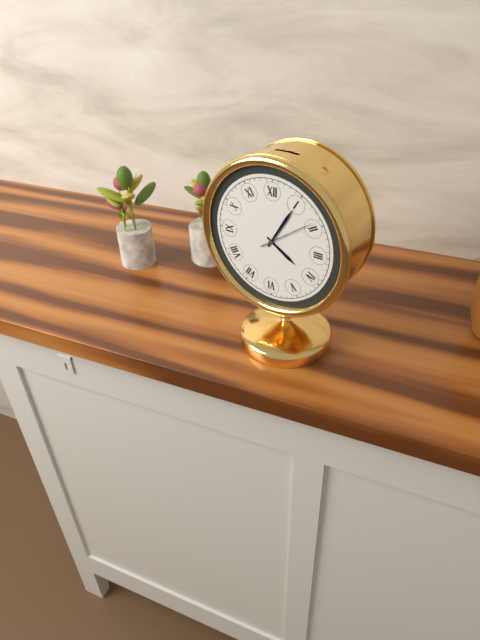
4:05:09
